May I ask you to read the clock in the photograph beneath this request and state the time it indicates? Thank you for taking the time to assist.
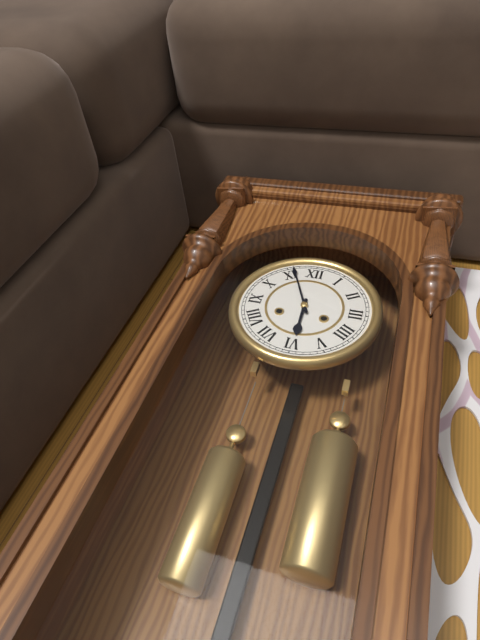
5:56
